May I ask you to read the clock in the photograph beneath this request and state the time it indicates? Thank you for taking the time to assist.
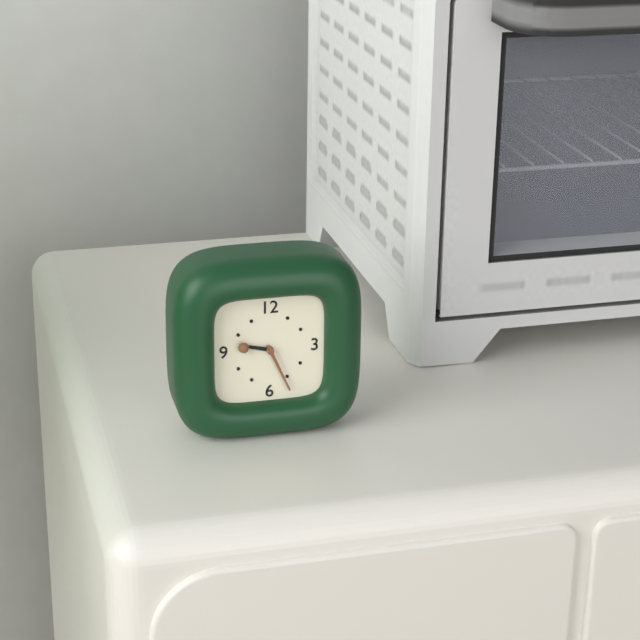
9:26
